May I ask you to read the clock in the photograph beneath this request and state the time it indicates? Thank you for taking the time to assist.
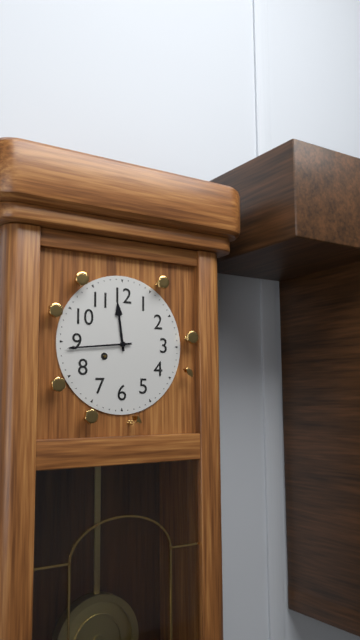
11:44
